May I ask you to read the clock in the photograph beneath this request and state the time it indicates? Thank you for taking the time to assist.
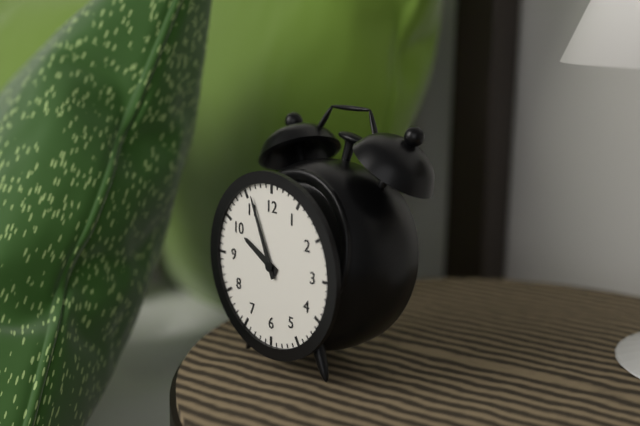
9:56
